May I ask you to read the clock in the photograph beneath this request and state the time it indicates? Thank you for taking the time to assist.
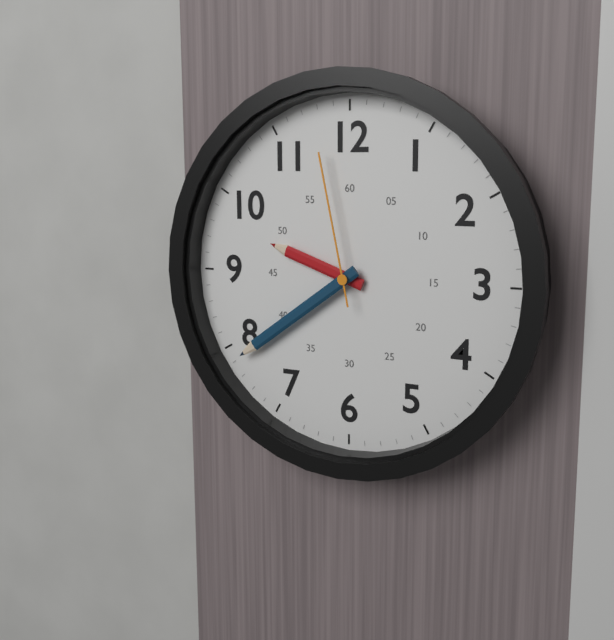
9:39:58
